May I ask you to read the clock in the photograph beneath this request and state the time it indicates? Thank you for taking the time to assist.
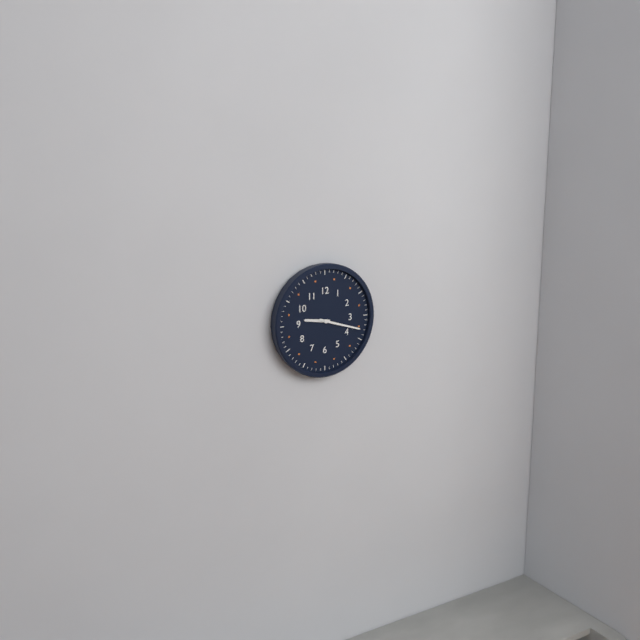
9:18
